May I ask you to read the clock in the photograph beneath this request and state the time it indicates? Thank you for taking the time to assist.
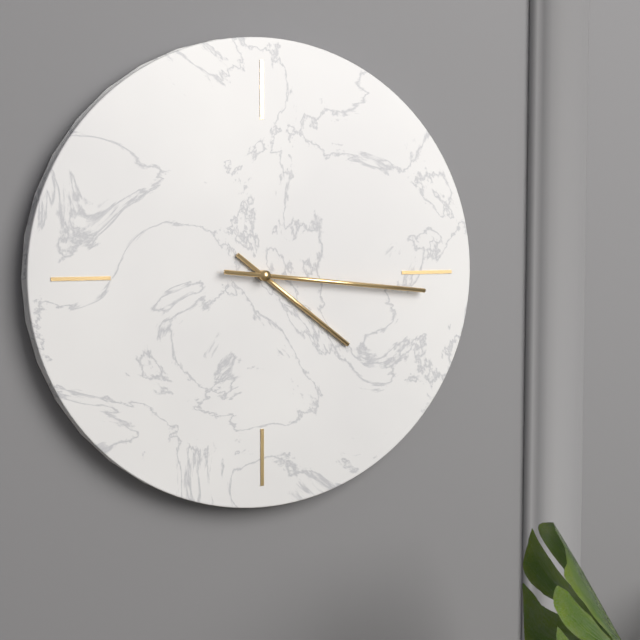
4:16
